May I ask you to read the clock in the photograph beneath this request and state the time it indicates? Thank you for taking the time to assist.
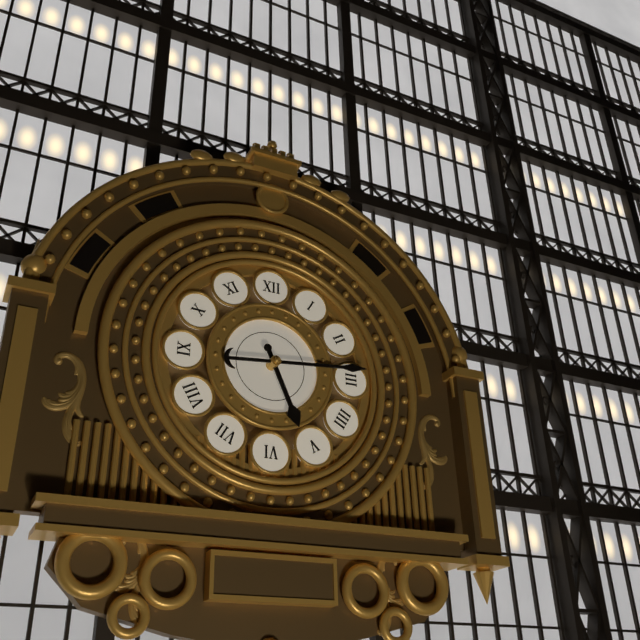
5:14
